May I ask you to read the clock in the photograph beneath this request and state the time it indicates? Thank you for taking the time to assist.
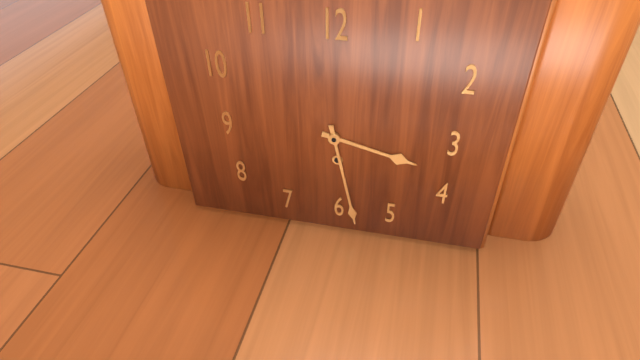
3:28
